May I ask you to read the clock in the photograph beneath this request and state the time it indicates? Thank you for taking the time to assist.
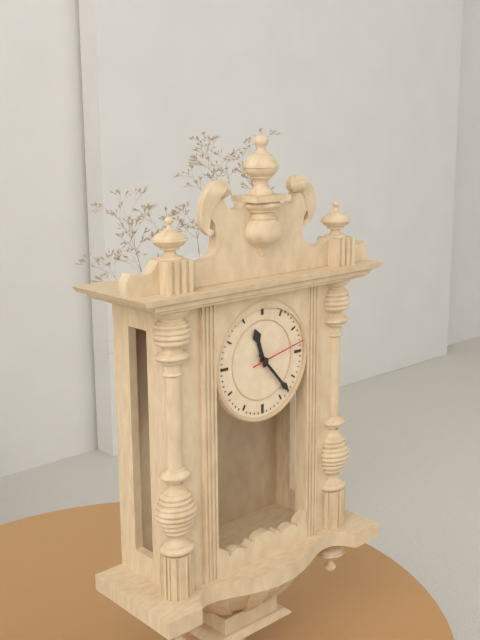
11:23:13
